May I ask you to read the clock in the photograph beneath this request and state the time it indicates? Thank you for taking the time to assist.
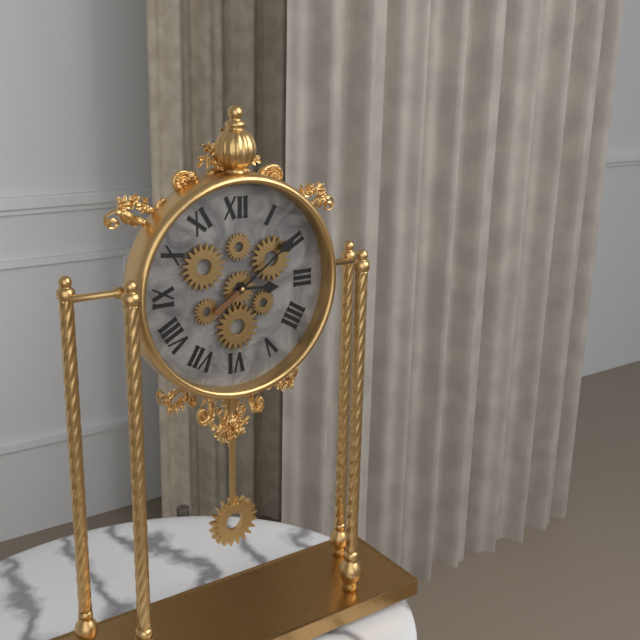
3:09
